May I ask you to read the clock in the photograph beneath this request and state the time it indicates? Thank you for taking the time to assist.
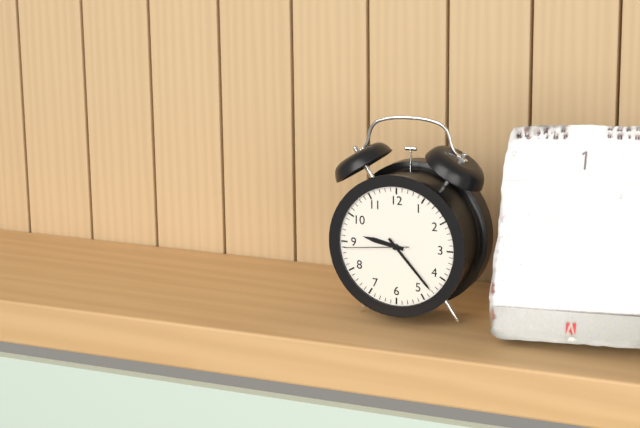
9:23:44
